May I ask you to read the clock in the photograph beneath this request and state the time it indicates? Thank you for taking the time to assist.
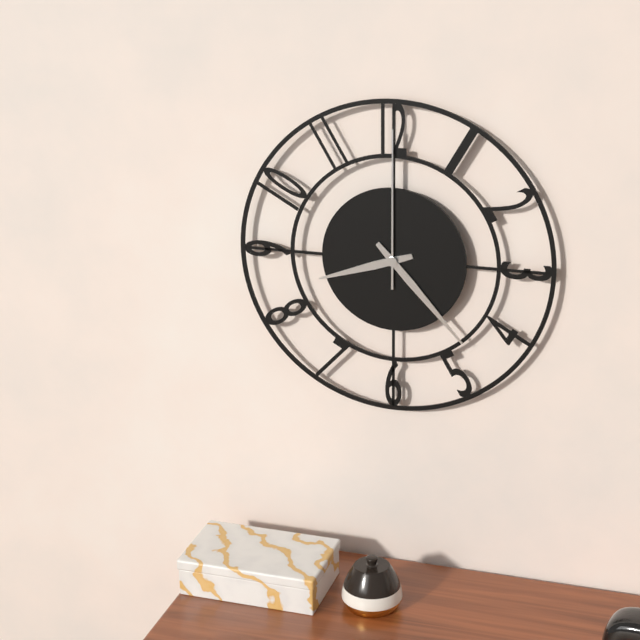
8:23:00
